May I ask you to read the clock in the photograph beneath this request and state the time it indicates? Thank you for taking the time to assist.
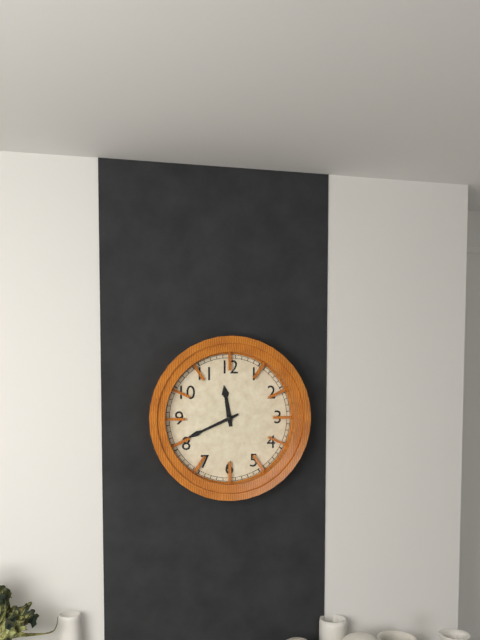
11:41
